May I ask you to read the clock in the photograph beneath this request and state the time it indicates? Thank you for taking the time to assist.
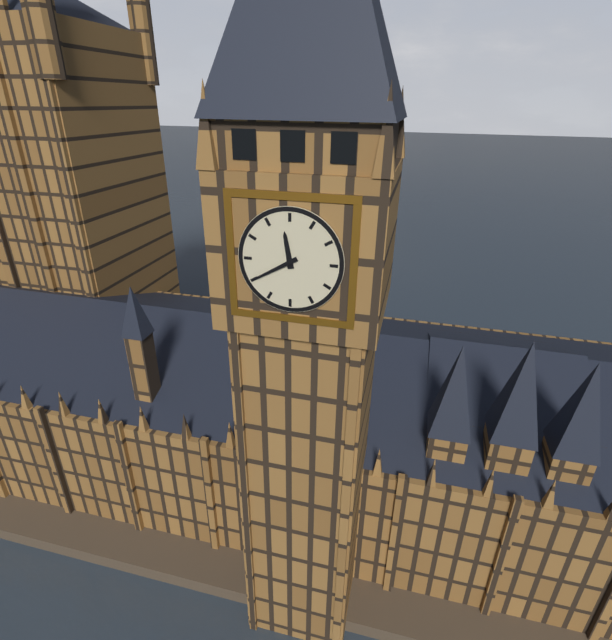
11:40
